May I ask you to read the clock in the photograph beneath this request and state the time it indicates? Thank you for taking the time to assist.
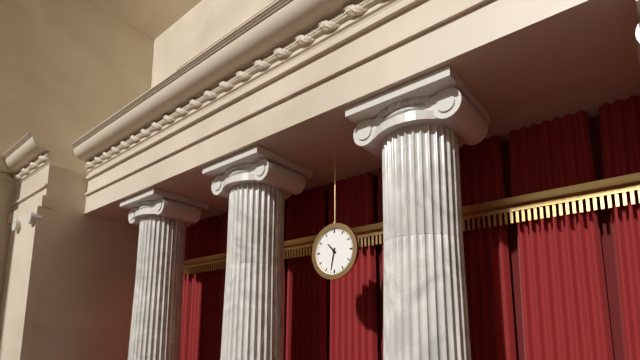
10:32
